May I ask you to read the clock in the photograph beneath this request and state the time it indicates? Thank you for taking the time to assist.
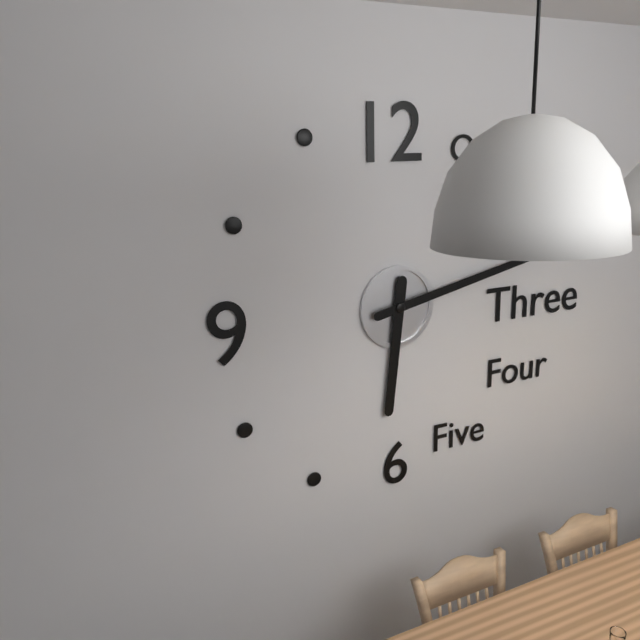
6:13
